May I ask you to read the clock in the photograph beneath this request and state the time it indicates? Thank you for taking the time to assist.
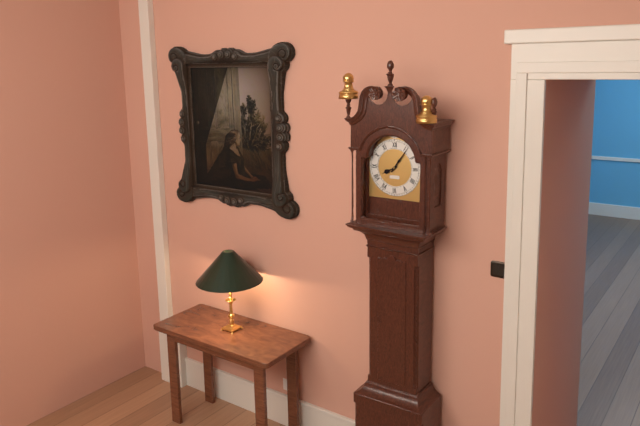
8:06
